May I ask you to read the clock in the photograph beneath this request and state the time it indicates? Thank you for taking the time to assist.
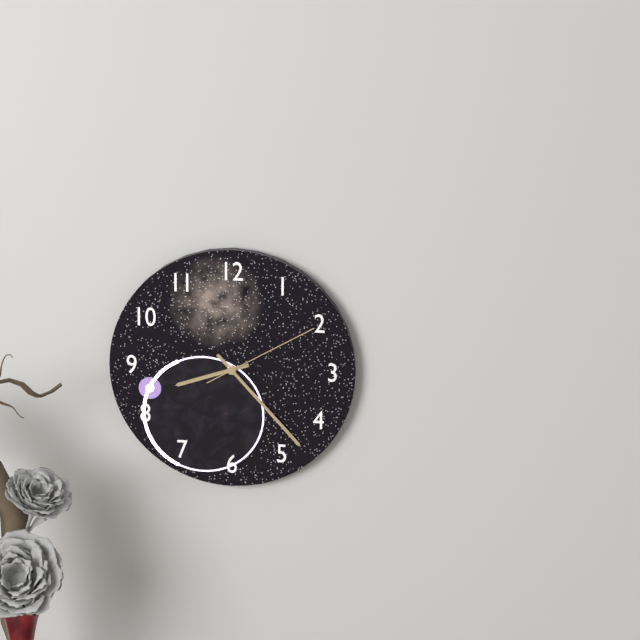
8:23:10
